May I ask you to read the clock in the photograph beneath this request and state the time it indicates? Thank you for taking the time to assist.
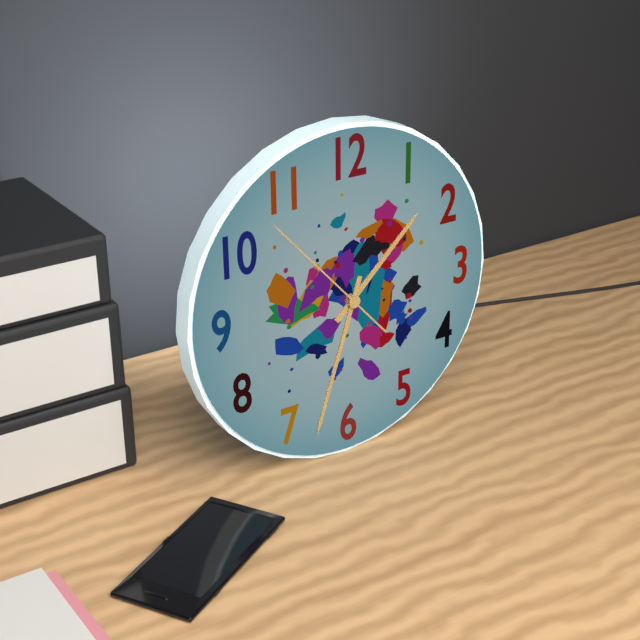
1:33:53
